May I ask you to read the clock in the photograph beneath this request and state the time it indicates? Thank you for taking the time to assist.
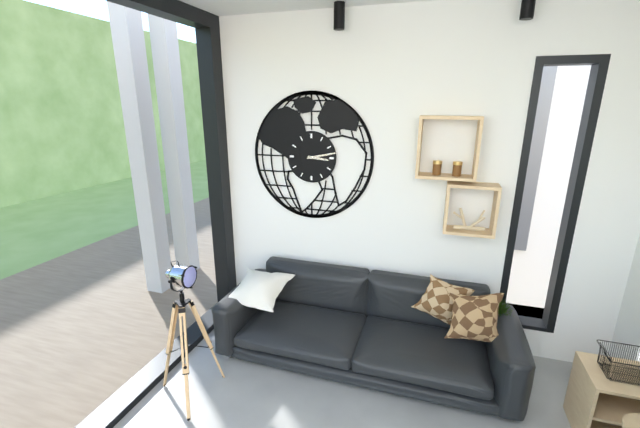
3:13
